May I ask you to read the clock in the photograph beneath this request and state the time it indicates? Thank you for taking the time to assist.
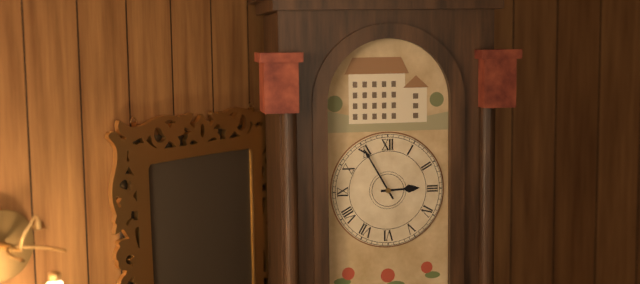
2:55
